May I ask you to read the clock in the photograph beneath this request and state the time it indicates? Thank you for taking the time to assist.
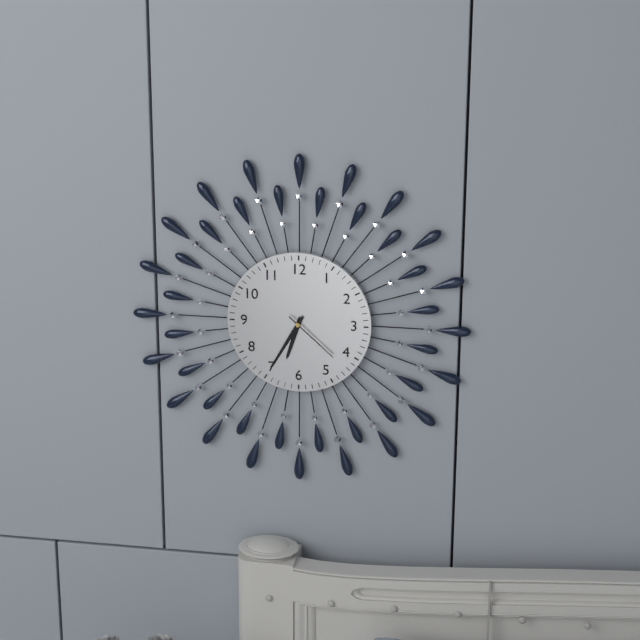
6:35:22
